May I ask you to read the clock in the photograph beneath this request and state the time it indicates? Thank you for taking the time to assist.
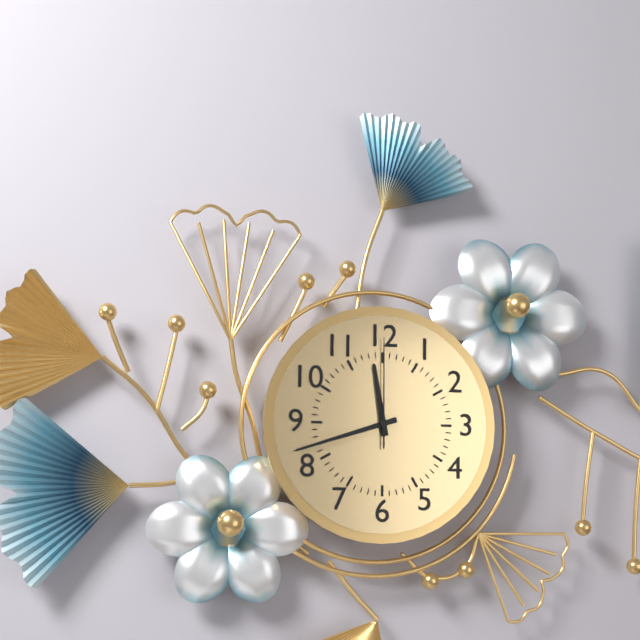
11:42:00
